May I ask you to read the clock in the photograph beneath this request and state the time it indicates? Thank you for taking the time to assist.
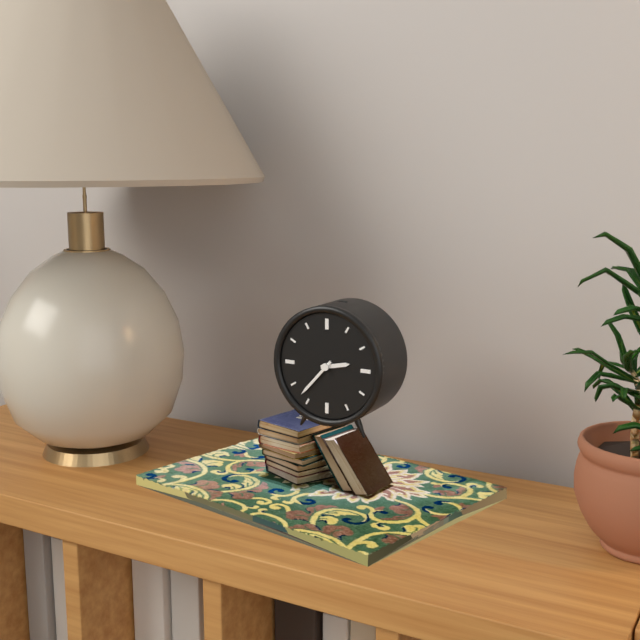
2:37
